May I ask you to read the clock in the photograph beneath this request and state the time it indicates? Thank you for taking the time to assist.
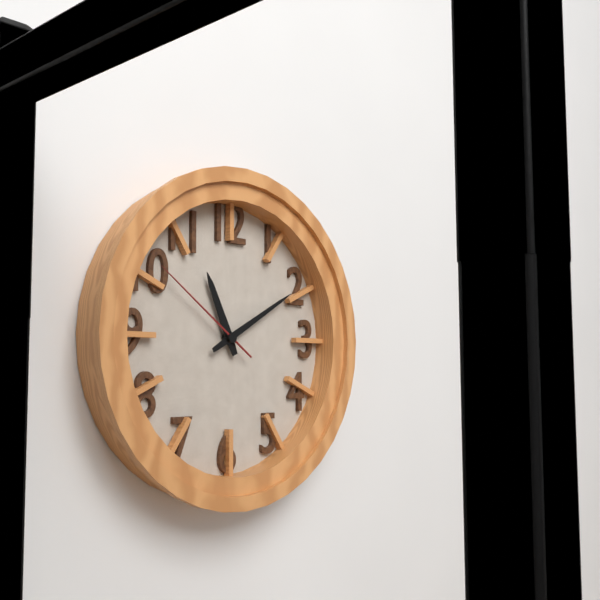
11:10:51
